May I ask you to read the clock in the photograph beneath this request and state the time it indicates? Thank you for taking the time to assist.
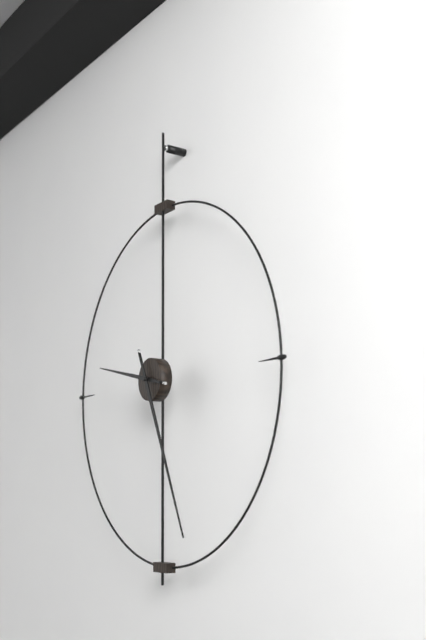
9:26
